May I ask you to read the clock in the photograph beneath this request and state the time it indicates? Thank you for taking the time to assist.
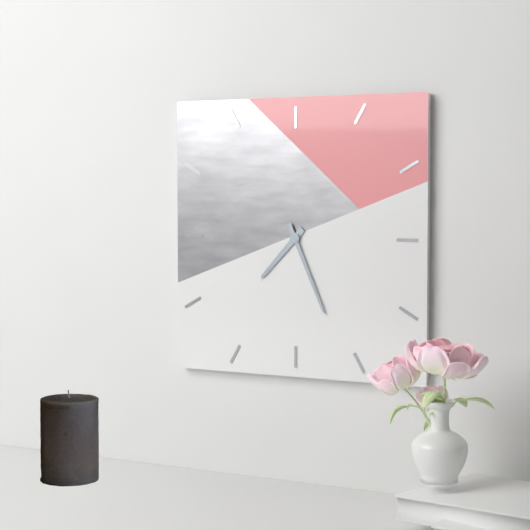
7:26
